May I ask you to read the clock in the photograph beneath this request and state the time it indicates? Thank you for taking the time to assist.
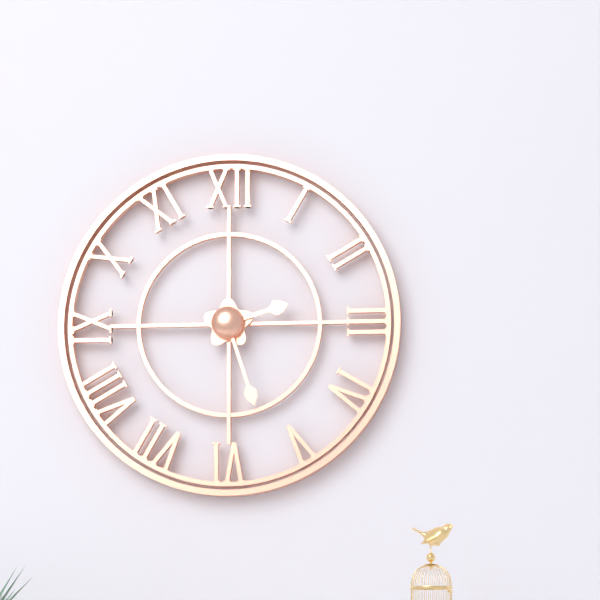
2:27
